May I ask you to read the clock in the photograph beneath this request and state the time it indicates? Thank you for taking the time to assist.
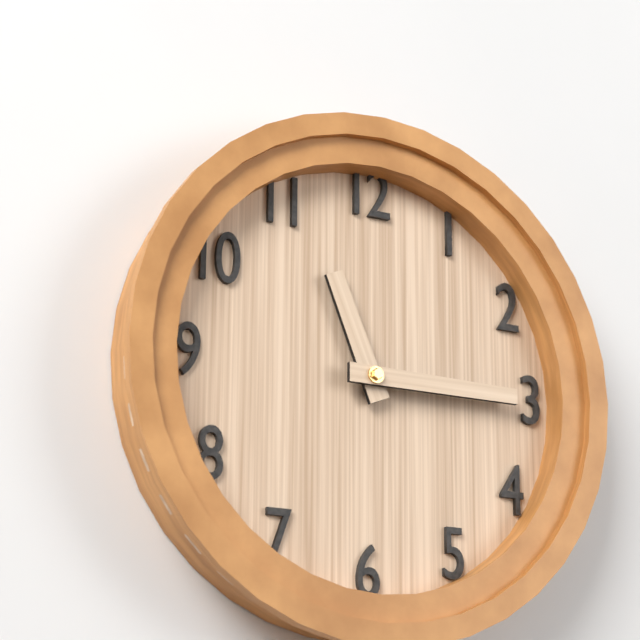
11:15
